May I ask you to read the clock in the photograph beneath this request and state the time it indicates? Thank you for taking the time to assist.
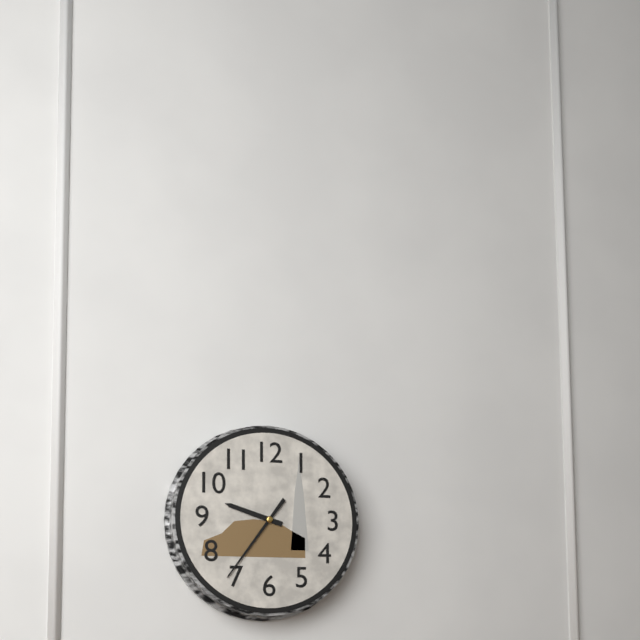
9:36
